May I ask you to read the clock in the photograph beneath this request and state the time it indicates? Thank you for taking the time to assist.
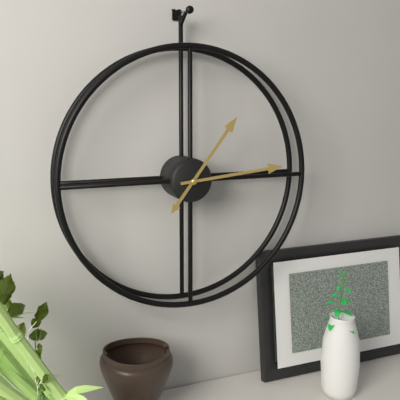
1:14
